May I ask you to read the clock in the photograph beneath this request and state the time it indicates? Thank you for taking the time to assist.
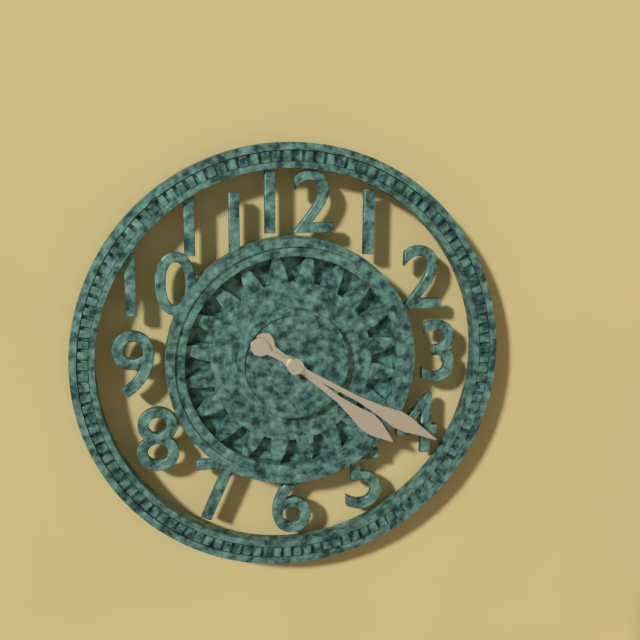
4:20
